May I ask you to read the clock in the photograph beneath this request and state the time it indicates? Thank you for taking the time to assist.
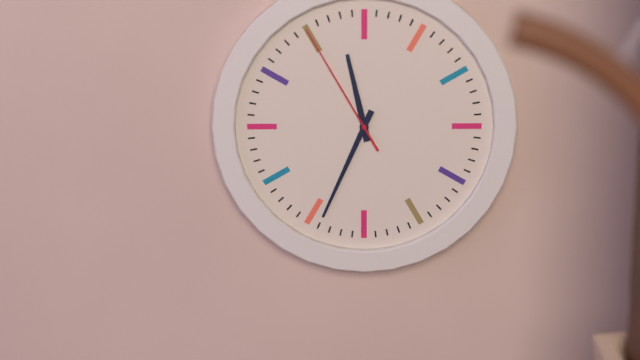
11:34:55
